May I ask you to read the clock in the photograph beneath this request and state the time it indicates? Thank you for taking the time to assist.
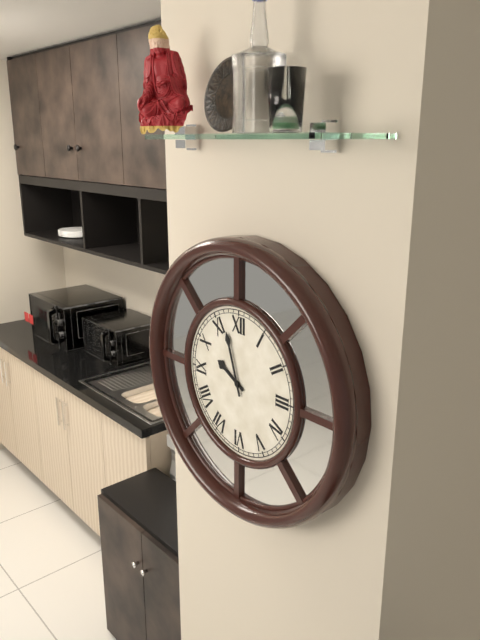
9:57
